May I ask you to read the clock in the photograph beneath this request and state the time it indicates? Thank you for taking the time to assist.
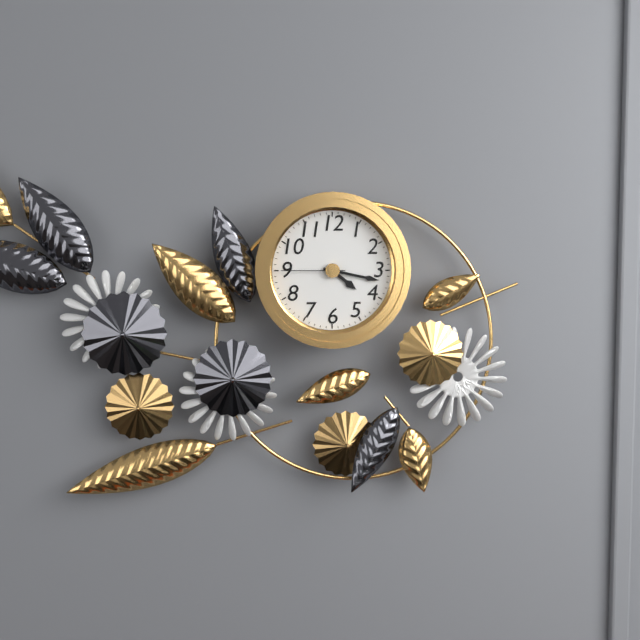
4:17:45
